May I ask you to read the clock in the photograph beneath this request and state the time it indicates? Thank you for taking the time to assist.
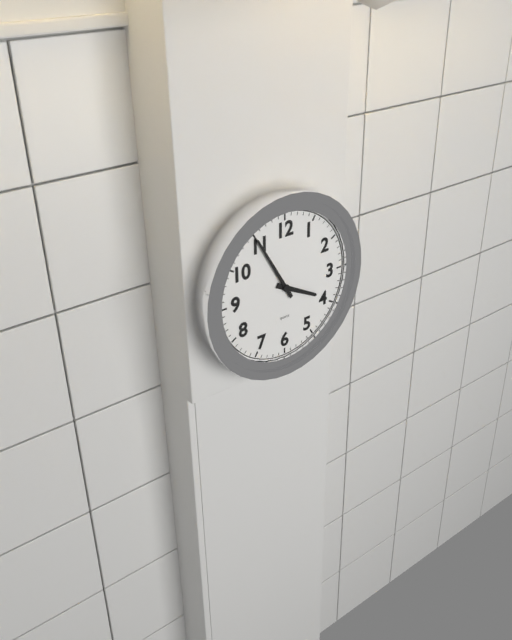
3:55
